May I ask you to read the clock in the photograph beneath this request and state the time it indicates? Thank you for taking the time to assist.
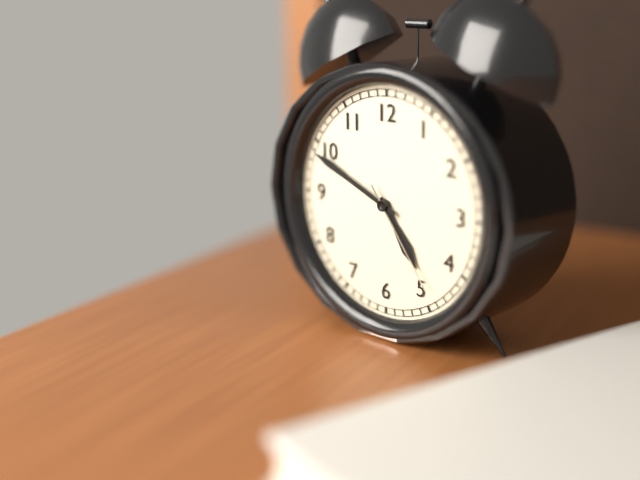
4:49:24
